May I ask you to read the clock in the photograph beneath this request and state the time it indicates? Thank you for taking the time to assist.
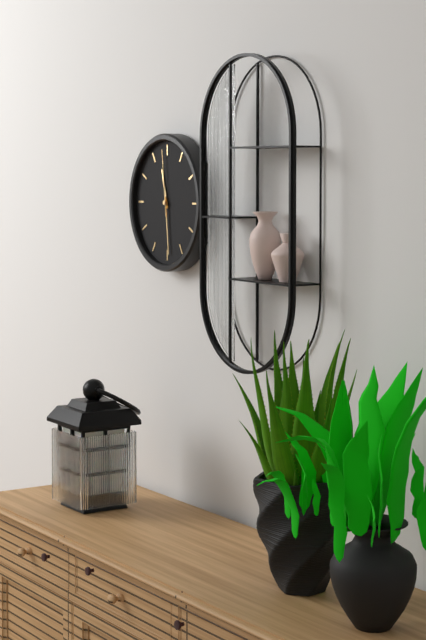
11:29:59
